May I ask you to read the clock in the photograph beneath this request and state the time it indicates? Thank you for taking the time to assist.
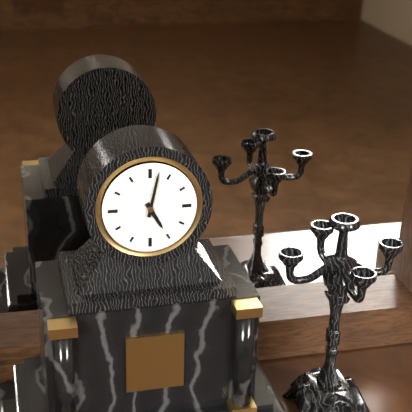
5:02
